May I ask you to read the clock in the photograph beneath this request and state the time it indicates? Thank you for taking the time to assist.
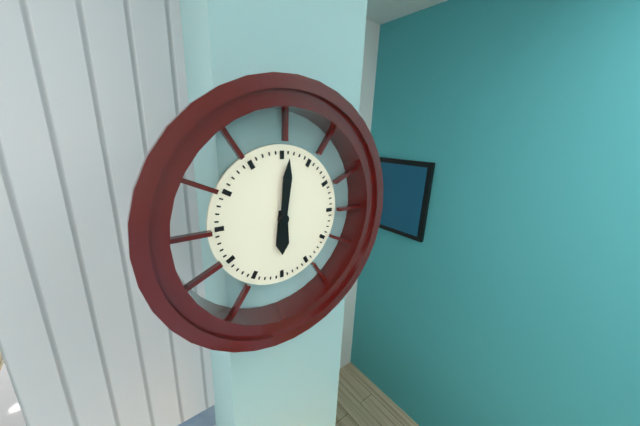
6:01
